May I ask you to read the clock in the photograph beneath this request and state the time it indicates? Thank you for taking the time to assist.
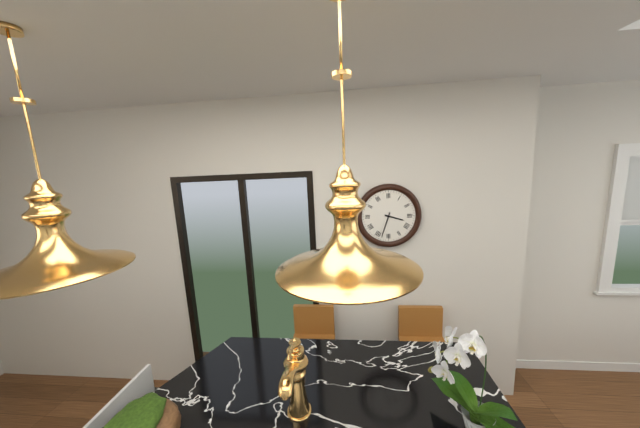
3:33
